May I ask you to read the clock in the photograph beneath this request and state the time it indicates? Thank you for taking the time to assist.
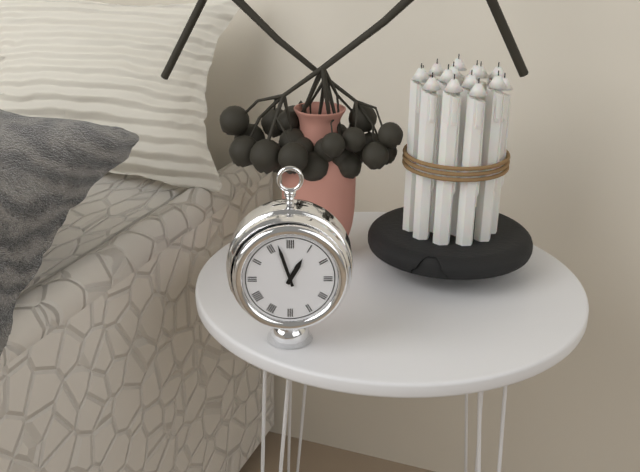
12:57
